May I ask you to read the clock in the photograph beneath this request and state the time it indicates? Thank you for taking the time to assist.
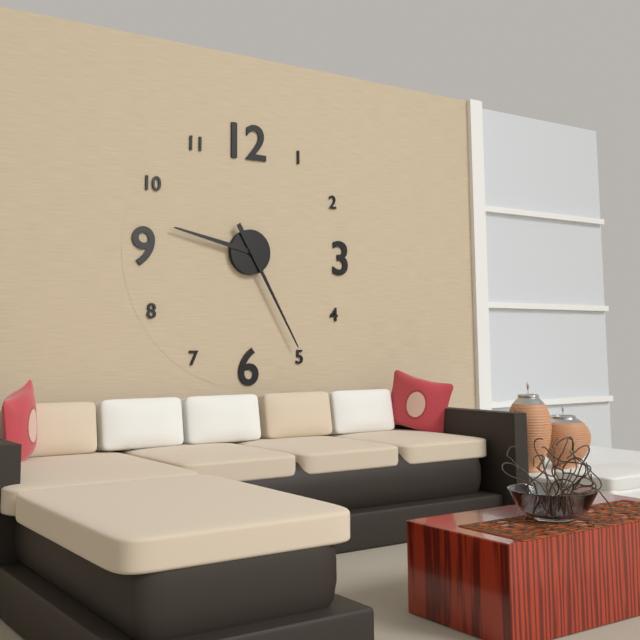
9:25
